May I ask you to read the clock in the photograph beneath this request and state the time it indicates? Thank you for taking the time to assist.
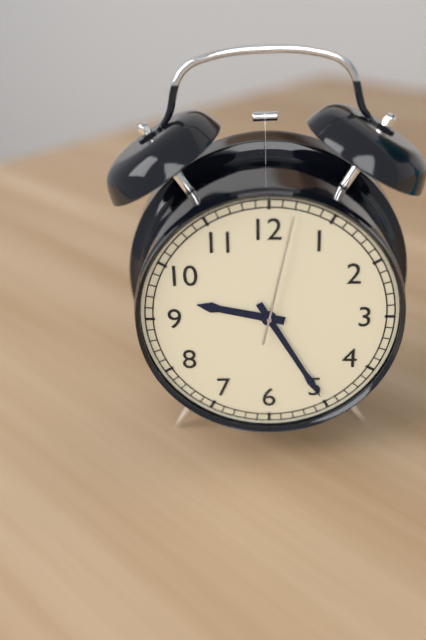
9:25:02
